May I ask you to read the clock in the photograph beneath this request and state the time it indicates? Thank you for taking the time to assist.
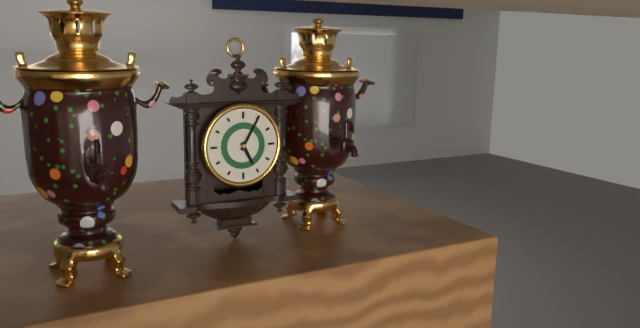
5:05
